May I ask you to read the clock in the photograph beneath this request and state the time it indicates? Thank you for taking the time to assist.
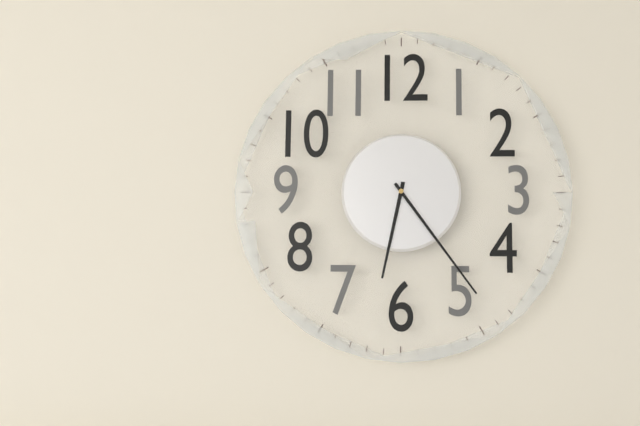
6:24
